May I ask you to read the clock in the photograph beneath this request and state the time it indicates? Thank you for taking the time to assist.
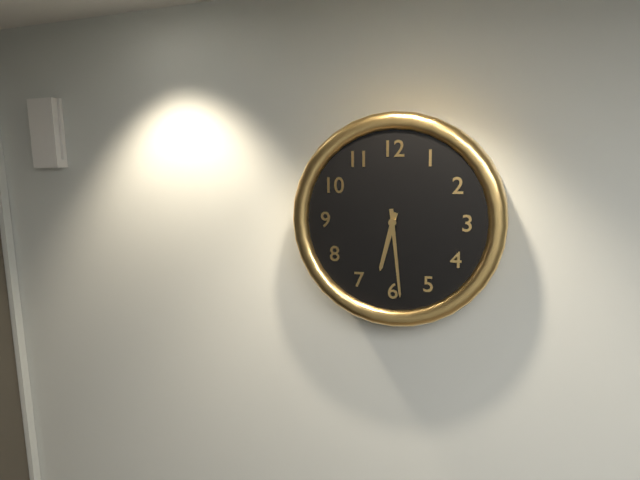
6:29
